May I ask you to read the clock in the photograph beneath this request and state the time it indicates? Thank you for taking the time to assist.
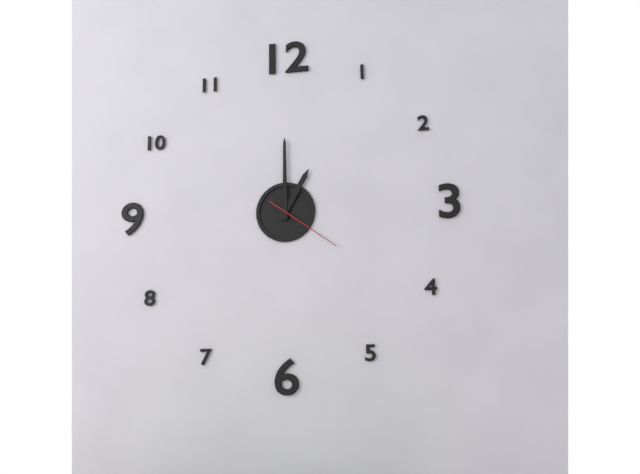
1:00:21
